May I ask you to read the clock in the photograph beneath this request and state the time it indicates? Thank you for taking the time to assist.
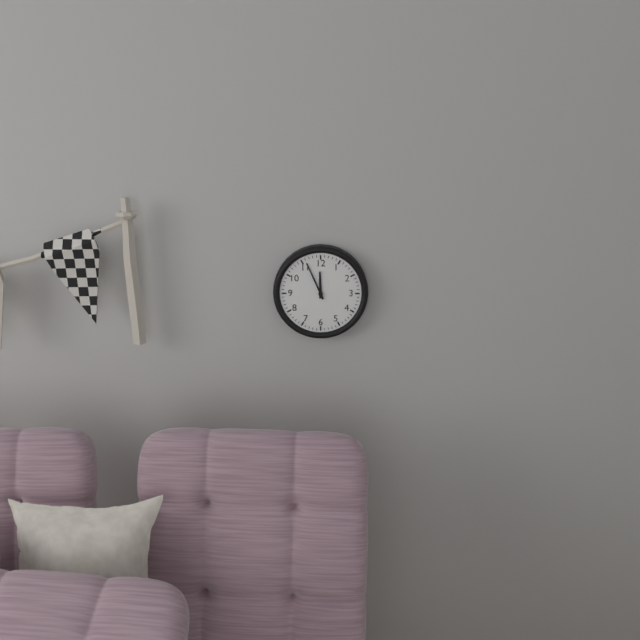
11:56
